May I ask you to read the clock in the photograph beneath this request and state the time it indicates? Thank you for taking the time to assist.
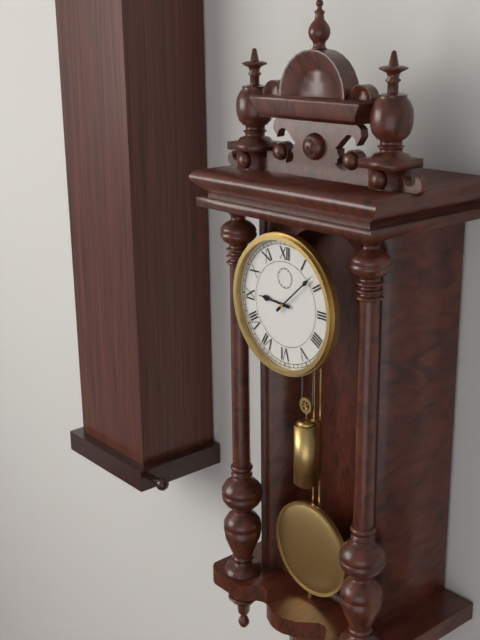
9:08
